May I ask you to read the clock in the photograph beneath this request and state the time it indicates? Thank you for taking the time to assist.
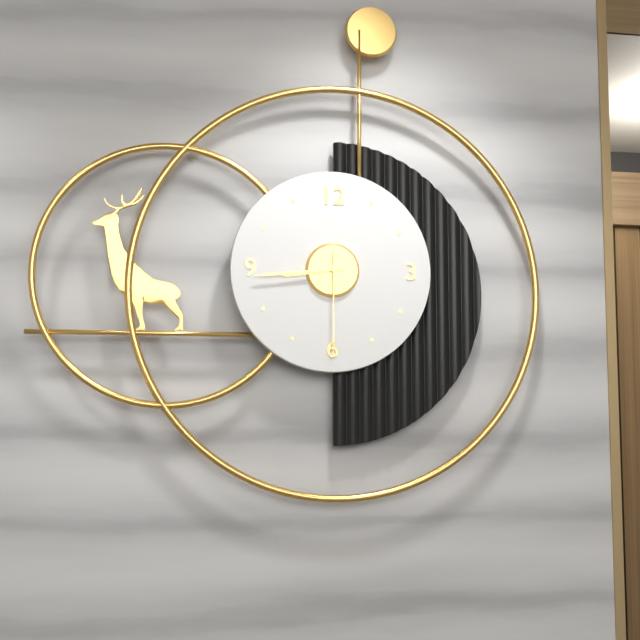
8:44:30
